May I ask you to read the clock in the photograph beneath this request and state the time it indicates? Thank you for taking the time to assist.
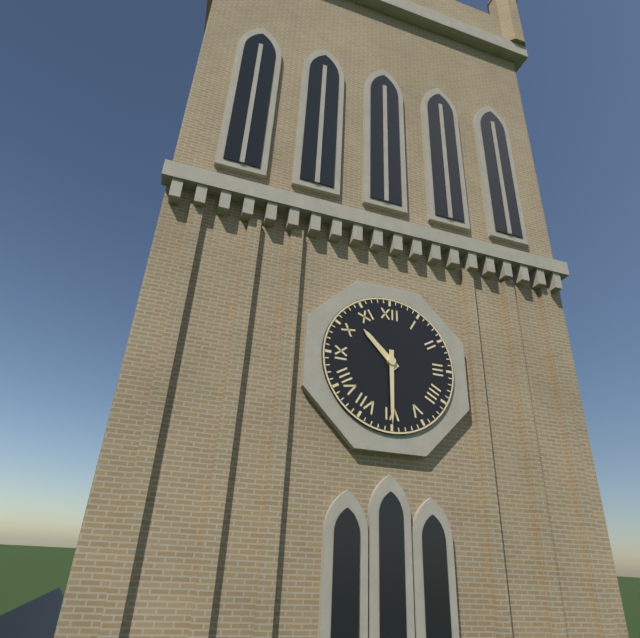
10:30
